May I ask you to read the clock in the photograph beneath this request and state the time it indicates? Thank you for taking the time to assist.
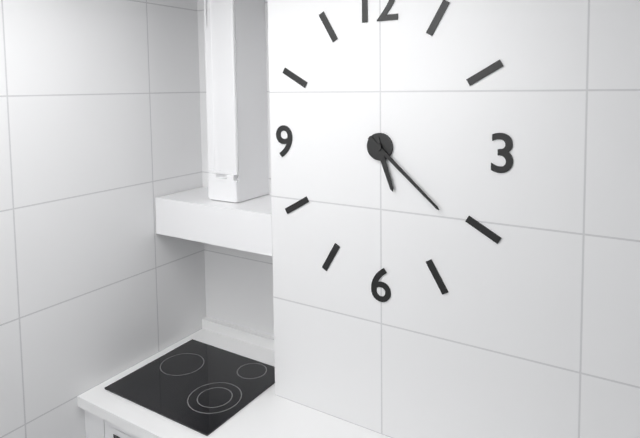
5:22
